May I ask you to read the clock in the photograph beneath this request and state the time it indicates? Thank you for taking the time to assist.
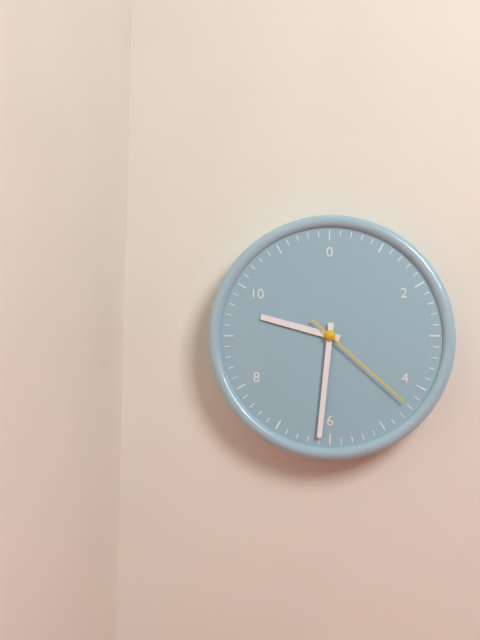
9:31:22
